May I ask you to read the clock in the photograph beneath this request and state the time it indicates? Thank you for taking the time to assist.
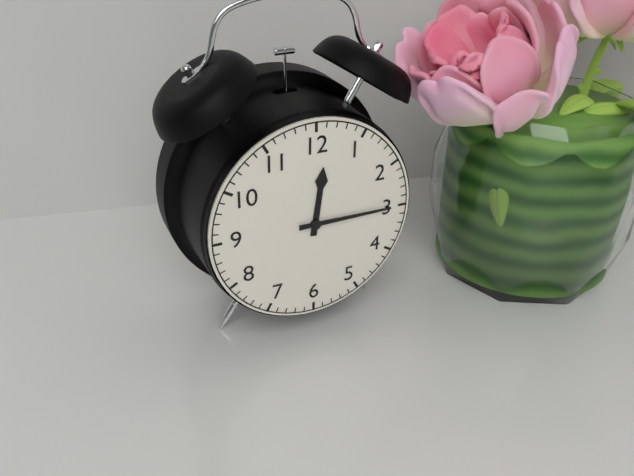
12:15
